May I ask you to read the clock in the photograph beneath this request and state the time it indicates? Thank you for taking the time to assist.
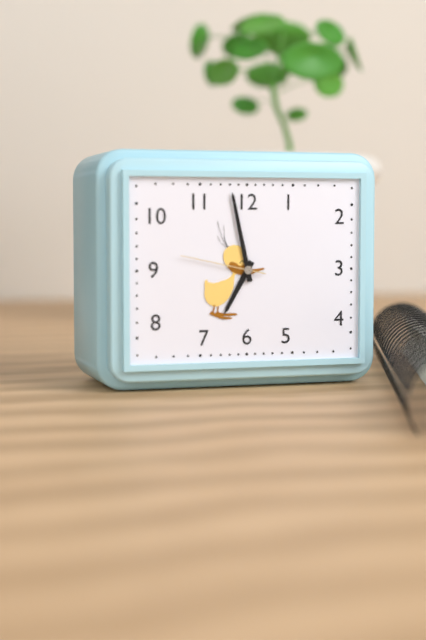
6:58:47
